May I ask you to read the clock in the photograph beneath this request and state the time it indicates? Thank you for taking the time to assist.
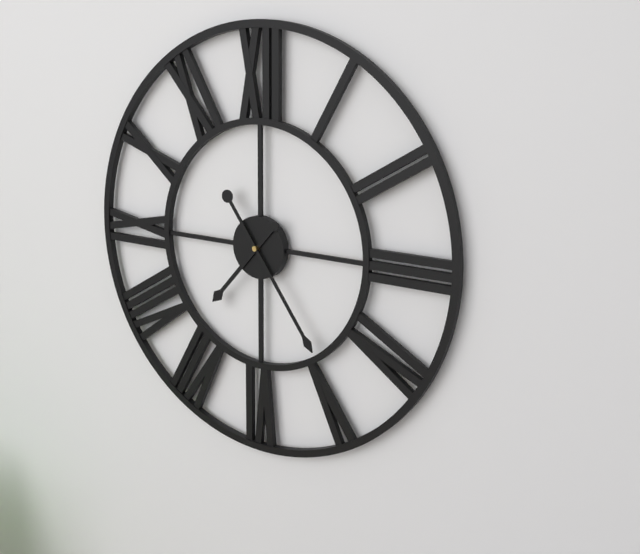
7:24
